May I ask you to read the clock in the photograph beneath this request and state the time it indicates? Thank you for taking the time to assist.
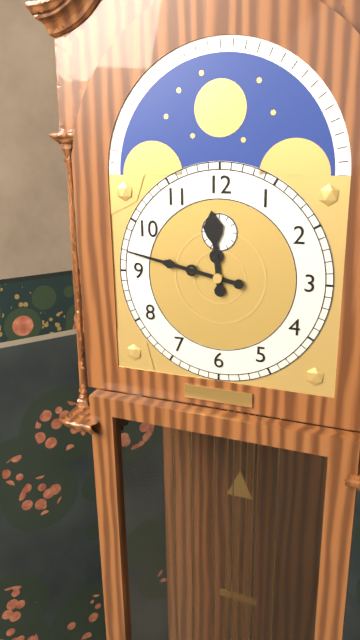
11:47
